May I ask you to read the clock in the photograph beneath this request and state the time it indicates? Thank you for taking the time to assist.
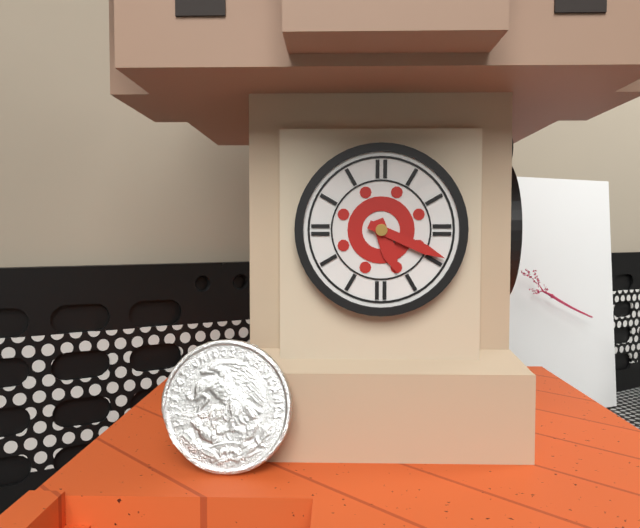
5:19
